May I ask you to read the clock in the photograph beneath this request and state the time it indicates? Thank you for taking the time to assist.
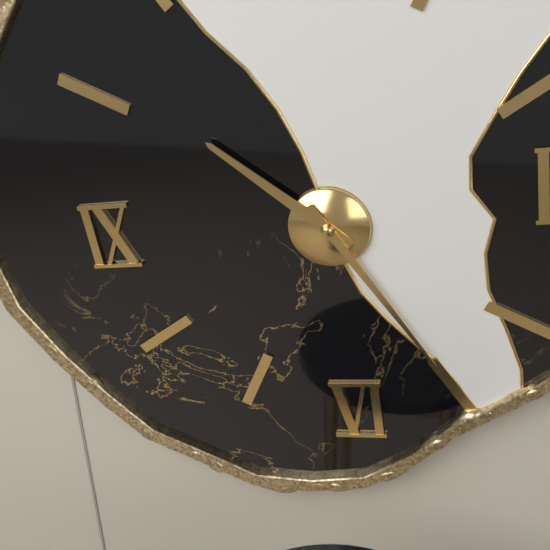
10:25
